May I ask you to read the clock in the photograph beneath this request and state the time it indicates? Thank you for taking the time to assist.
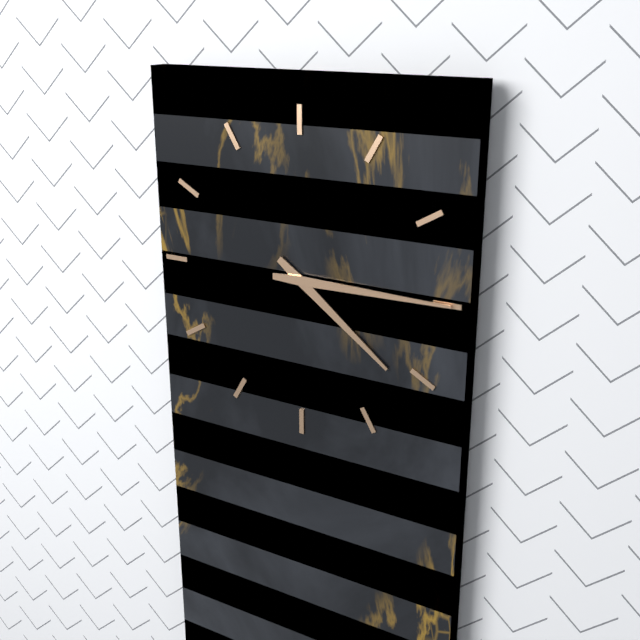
4:15
